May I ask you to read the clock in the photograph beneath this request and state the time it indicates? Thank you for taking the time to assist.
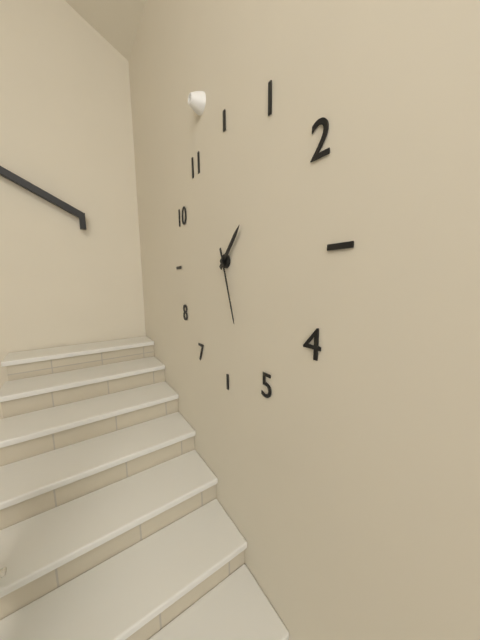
1:27
